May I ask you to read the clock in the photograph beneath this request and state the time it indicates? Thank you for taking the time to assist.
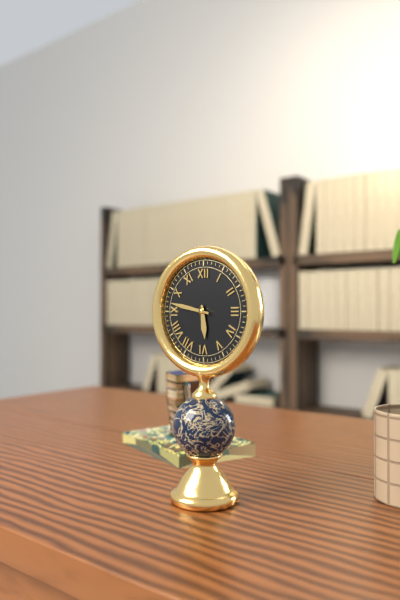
5:47
